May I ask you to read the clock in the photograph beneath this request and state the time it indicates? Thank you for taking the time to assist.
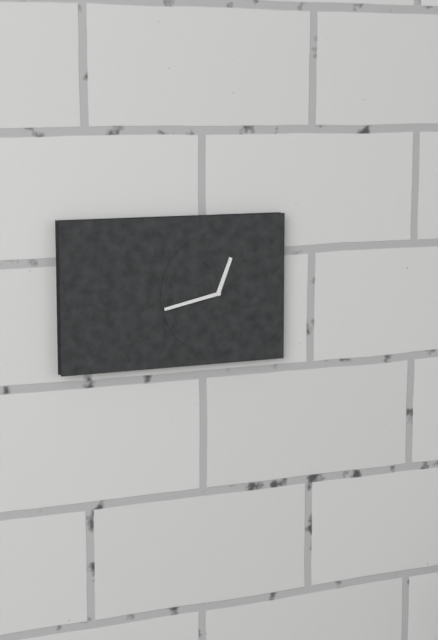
12:43
